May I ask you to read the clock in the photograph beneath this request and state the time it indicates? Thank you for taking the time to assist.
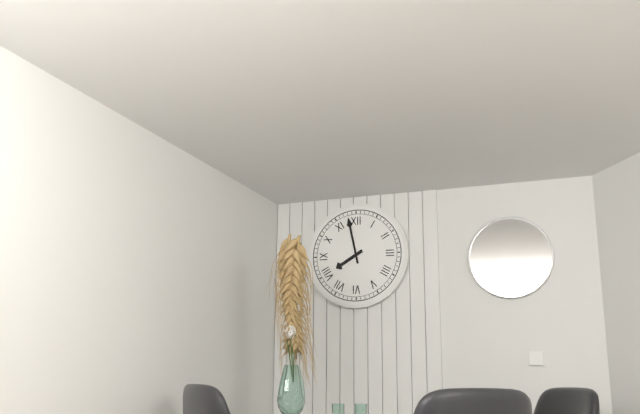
7:58
